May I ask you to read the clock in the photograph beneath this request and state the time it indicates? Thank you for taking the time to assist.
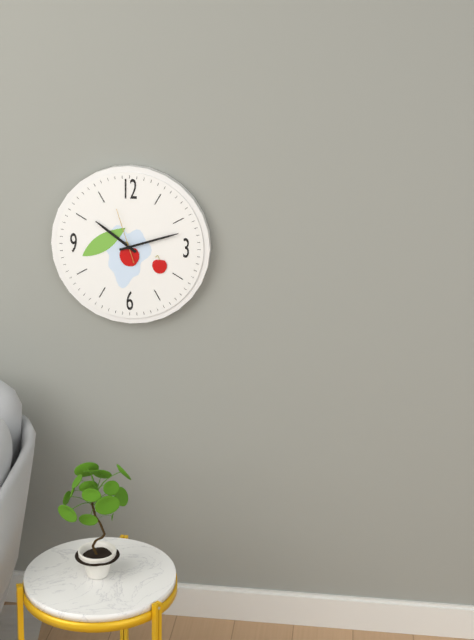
10:12:57
